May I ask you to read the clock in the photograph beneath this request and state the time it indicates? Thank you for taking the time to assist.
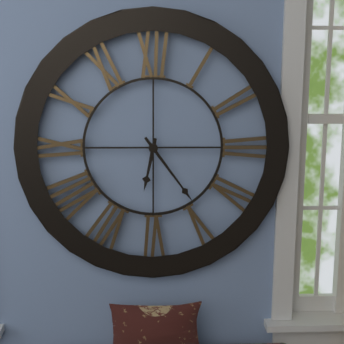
6:24
